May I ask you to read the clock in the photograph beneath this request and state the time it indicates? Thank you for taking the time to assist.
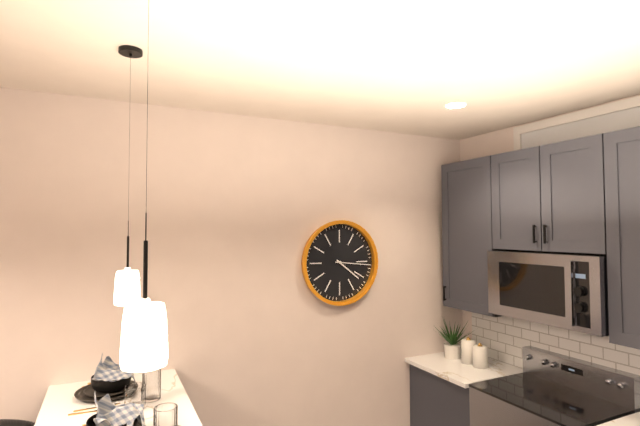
4:16
